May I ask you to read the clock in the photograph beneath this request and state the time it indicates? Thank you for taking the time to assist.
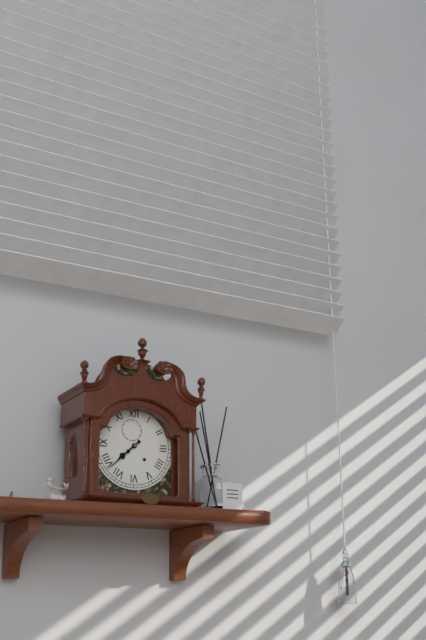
7:38
